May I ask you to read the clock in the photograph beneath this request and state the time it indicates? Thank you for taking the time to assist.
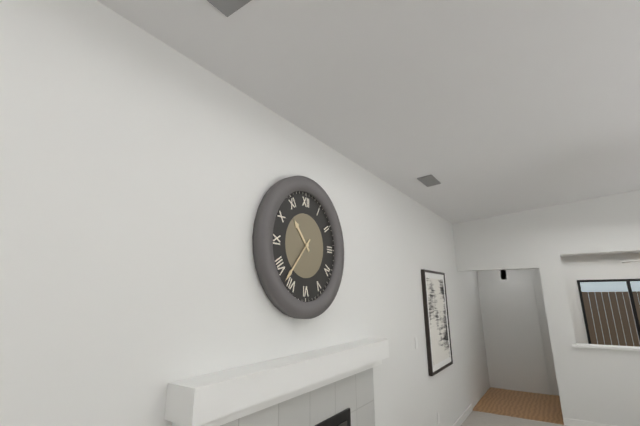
10:37
